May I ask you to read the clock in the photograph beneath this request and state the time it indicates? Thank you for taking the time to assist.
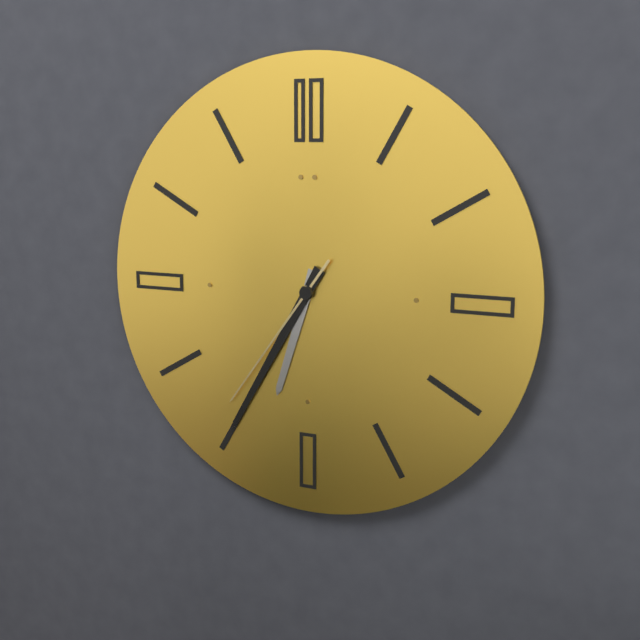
6:35:36
